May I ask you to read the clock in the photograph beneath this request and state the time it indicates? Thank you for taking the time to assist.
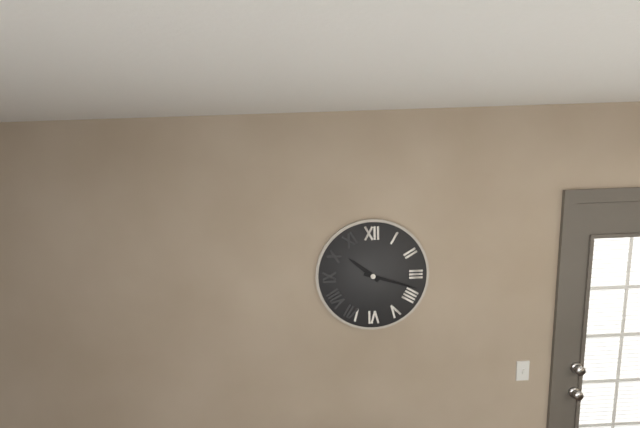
10:18
